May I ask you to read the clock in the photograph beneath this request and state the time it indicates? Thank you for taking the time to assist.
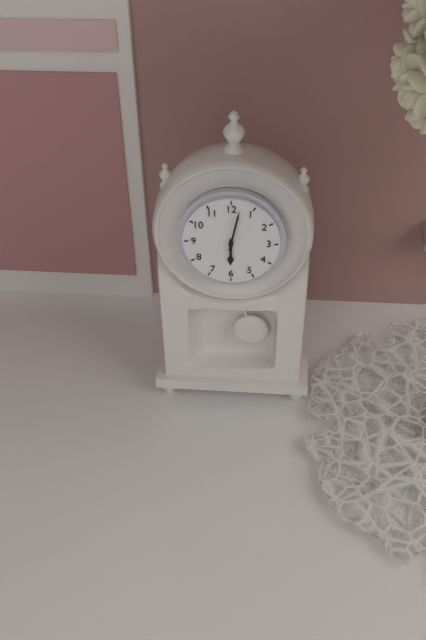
6:02
